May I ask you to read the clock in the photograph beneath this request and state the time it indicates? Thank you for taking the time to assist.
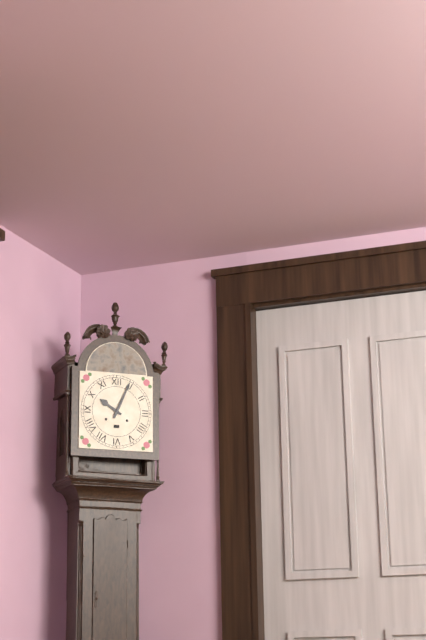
10:04
